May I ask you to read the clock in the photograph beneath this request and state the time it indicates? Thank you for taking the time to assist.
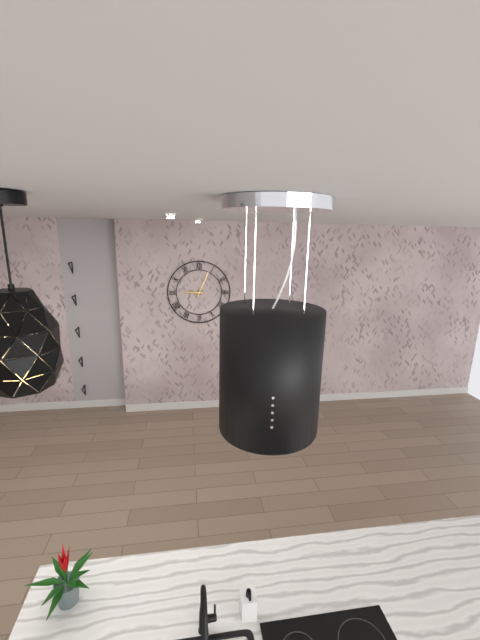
9:04
